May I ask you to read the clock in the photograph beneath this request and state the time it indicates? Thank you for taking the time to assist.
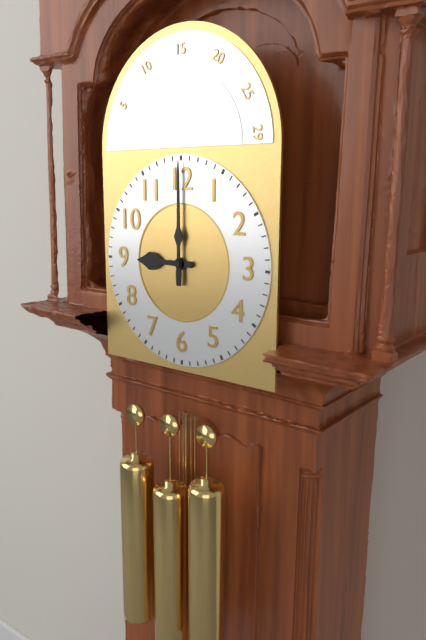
9:00
